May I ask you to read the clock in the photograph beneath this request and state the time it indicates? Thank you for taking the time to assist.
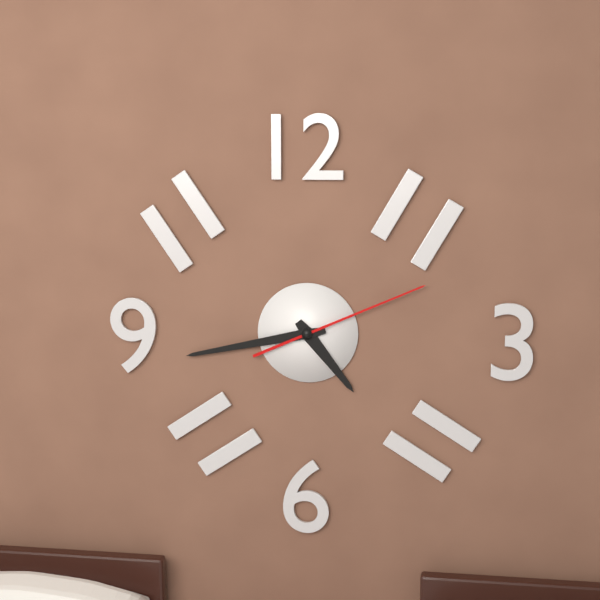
4:43:11
